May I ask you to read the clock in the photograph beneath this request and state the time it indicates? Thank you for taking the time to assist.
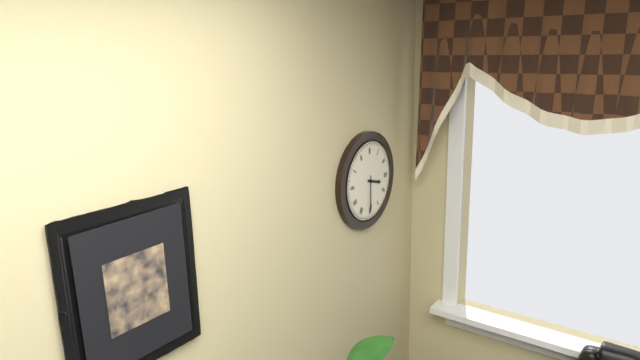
3:30
